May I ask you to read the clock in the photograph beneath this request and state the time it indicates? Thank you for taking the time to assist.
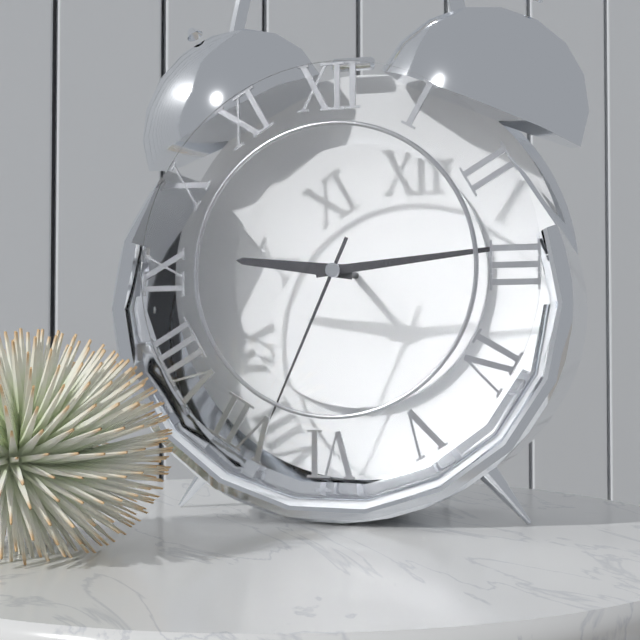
9:14:34
